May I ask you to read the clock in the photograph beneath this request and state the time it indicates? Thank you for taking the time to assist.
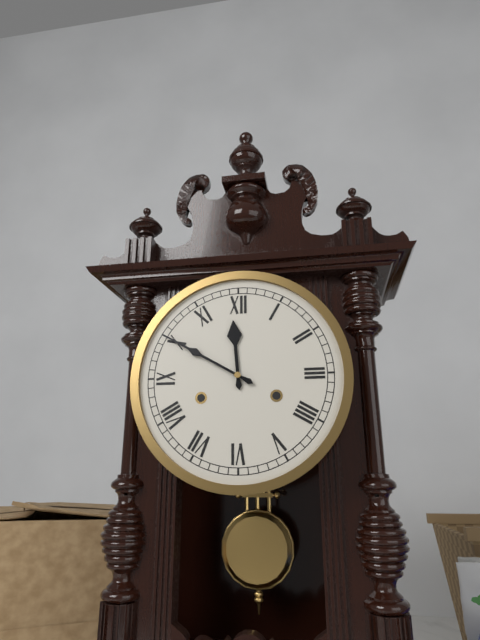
11:50
